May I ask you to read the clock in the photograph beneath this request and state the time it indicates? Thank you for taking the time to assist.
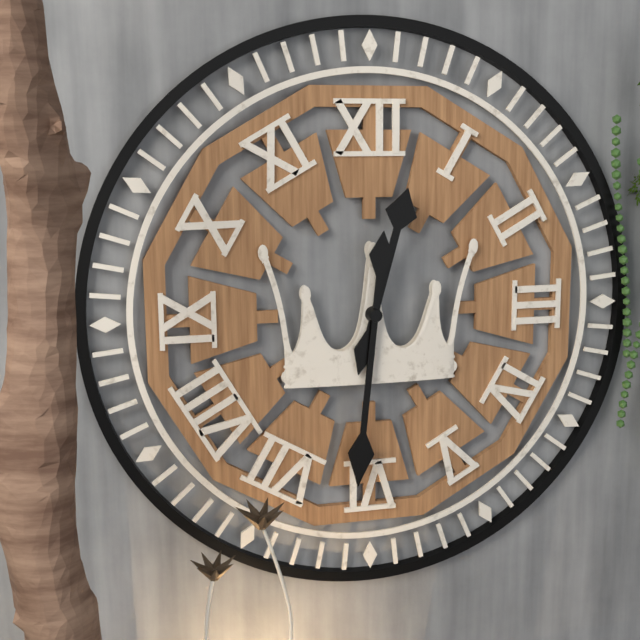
12:31
